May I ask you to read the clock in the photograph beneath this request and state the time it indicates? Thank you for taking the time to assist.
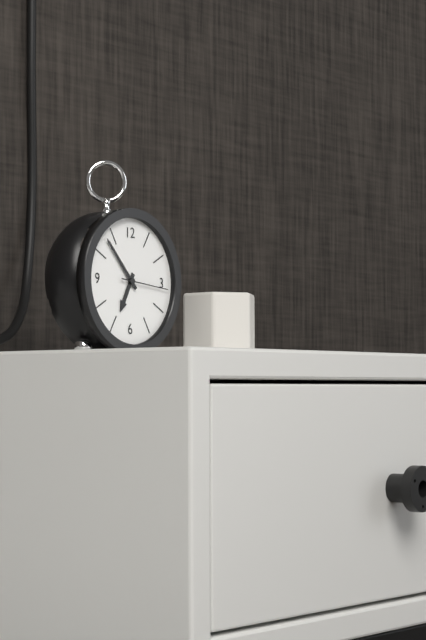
6:53
